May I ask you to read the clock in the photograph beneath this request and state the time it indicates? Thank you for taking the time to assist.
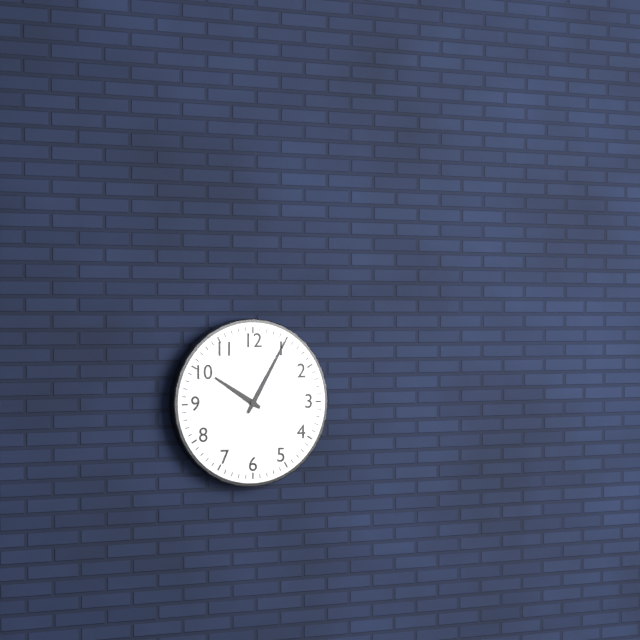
10:05
